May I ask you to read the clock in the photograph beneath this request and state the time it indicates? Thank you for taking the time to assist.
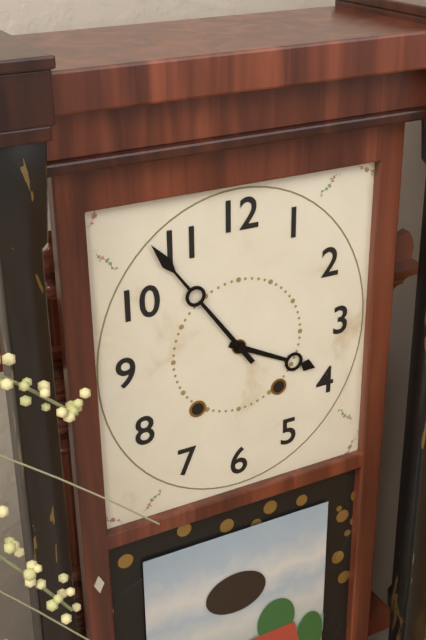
3:54
